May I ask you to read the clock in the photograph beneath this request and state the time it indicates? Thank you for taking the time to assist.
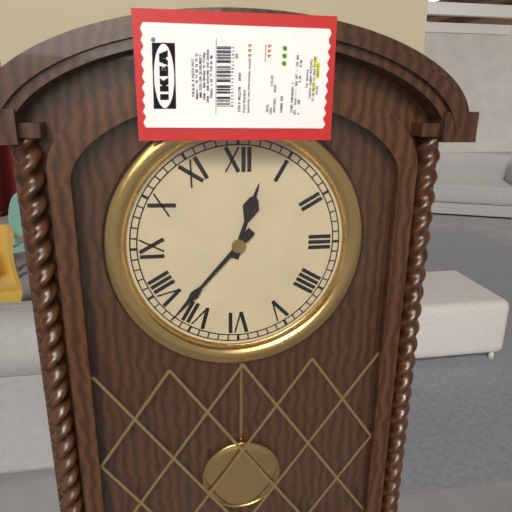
12:37
